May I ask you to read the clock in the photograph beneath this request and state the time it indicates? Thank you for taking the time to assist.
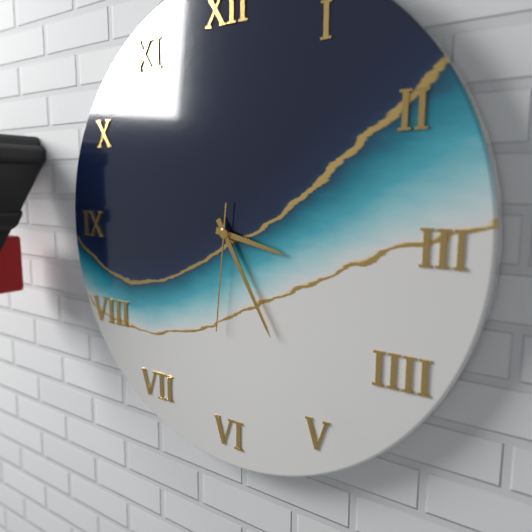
3:25:31
